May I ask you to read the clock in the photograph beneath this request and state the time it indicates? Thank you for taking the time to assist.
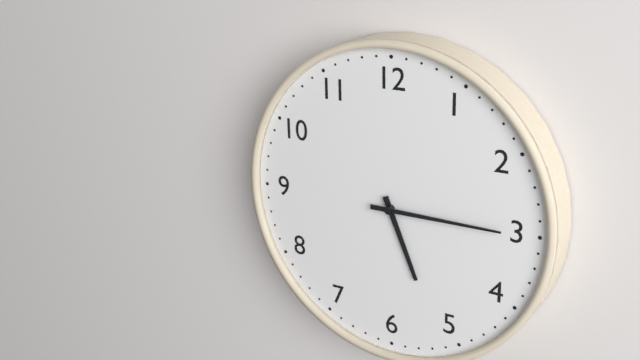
5:15
